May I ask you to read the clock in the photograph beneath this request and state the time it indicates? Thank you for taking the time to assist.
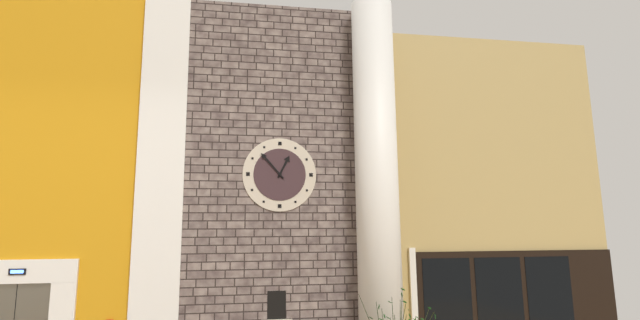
12:53
